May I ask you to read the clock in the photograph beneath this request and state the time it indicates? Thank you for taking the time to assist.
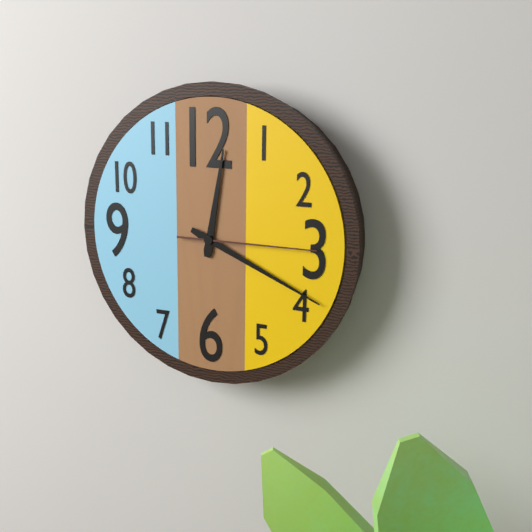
12:19:15
